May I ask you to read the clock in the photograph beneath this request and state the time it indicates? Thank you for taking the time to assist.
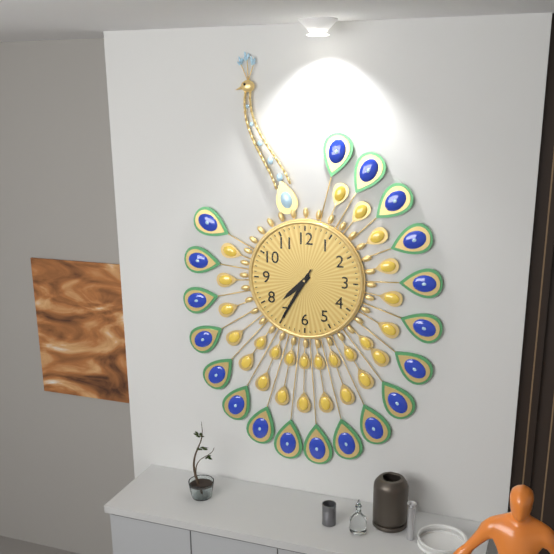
7:35:35
